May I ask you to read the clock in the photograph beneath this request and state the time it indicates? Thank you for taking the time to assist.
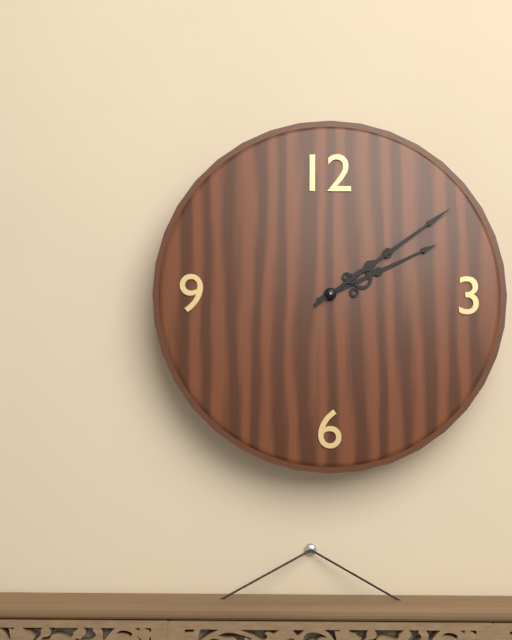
2:09
